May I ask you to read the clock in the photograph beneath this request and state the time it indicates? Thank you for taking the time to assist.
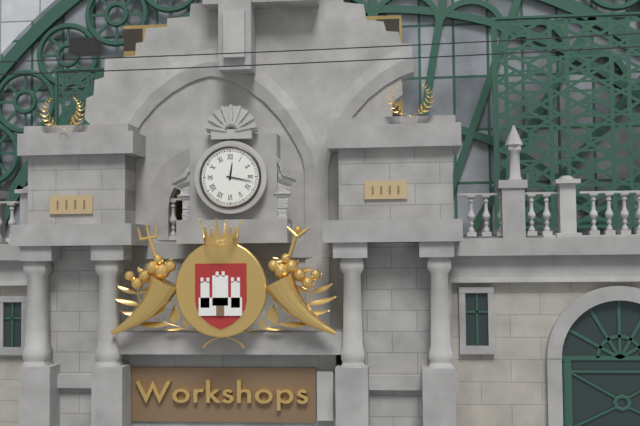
12:17
